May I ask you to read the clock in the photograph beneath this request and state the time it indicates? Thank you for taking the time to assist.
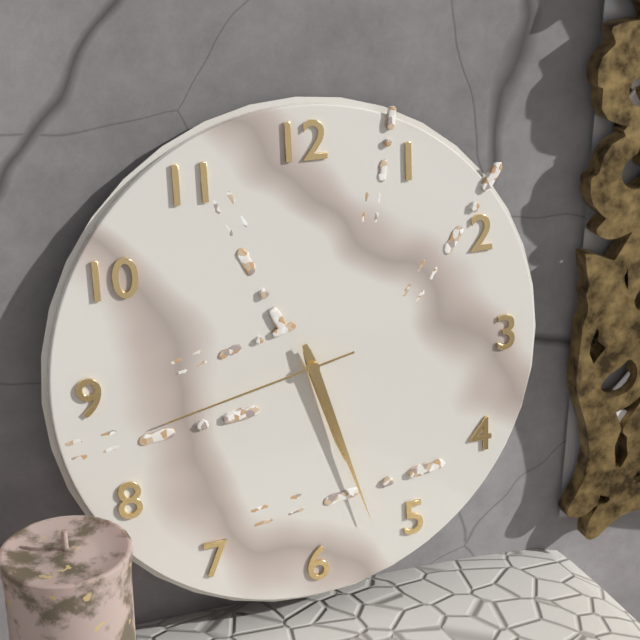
5:27:43
